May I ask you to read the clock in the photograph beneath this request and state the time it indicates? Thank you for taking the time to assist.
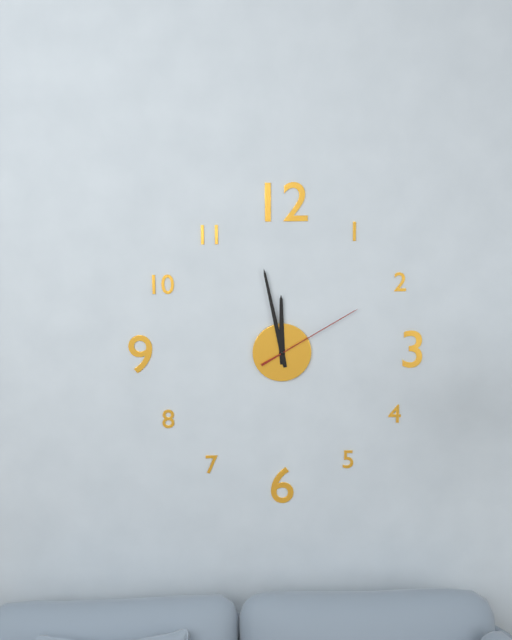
11:58:10
